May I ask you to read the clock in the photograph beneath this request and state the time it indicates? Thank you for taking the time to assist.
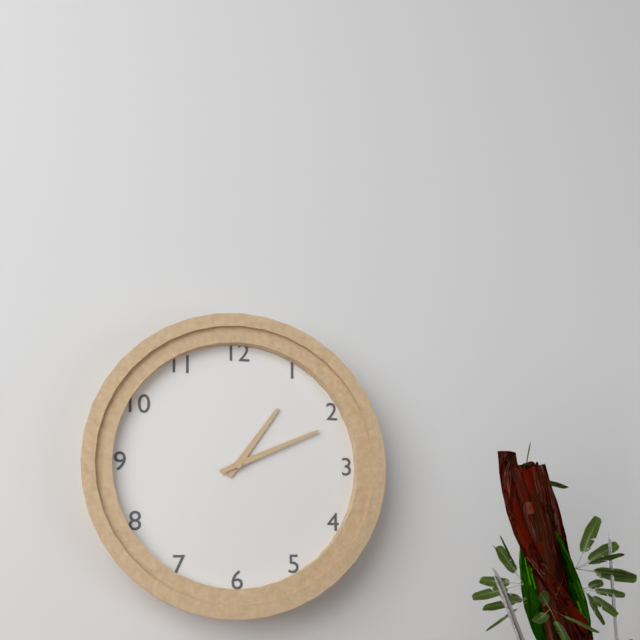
1:11
